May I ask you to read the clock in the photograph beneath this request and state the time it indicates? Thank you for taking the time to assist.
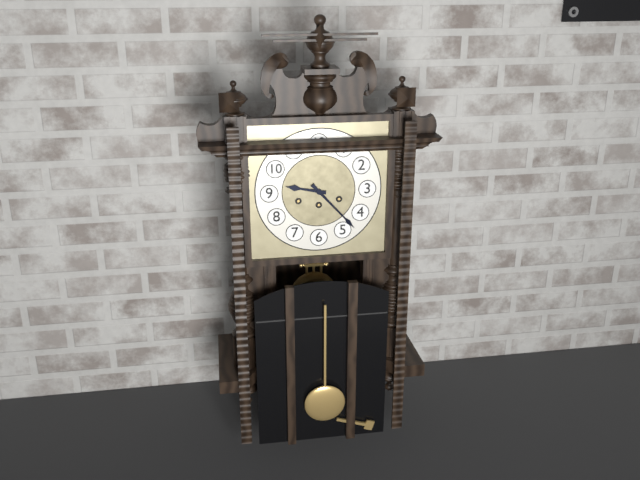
9:23
